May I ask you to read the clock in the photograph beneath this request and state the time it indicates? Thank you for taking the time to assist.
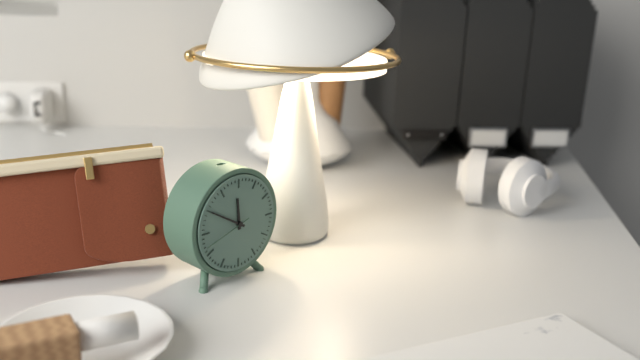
11:50:42
